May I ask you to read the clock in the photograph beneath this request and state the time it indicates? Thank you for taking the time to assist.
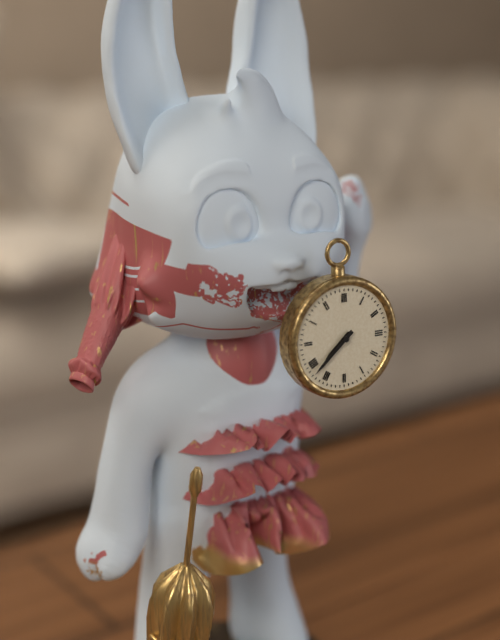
7:38
